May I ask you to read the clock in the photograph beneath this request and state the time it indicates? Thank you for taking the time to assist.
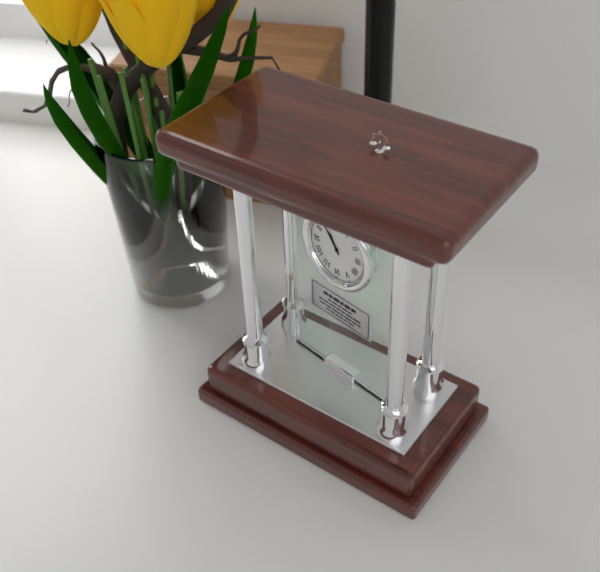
10:54
